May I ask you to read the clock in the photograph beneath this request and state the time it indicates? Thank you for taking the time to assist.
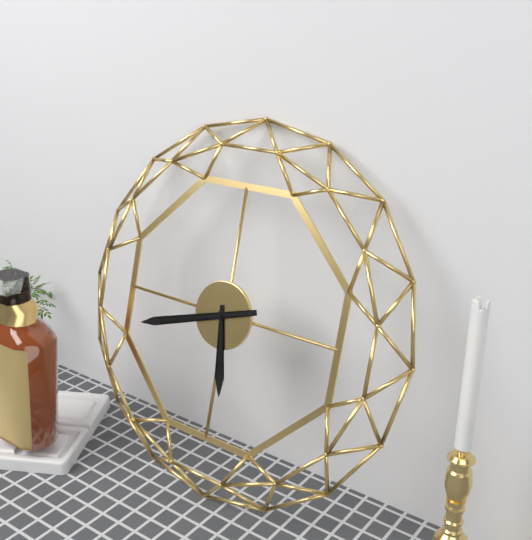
5:42
